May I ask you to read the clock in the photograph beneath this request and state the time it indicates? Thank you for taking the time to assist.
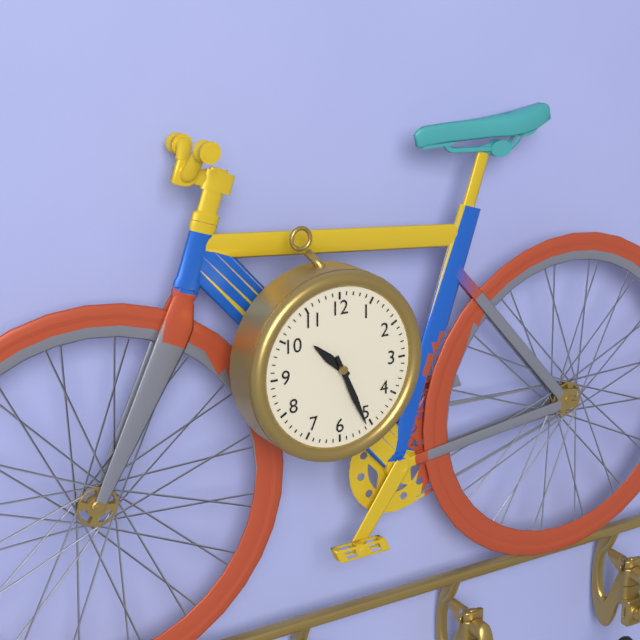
10:26
